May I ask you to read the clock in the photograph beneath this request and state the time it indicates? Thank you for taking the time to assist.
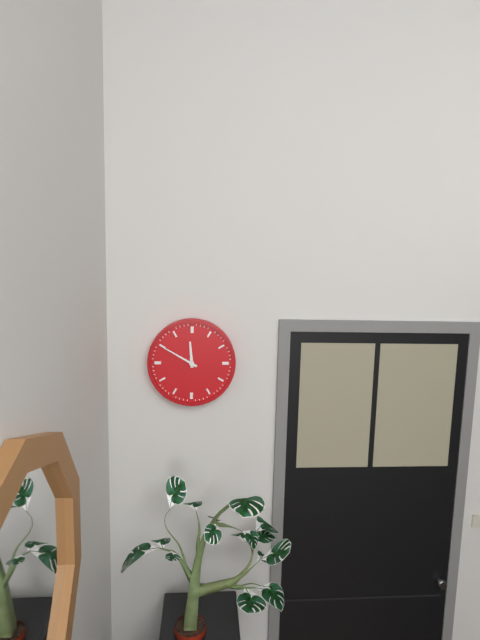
11:50
